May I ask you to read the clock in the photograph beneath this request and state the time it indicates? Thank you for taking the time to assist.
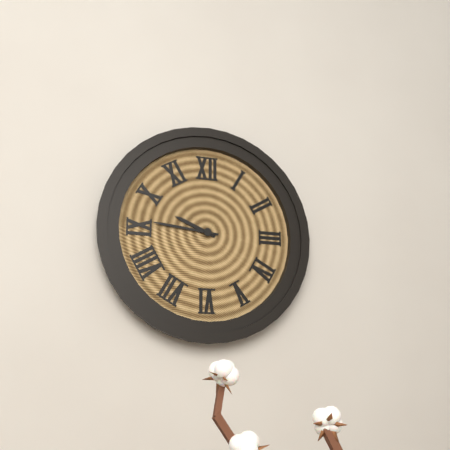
9:46
